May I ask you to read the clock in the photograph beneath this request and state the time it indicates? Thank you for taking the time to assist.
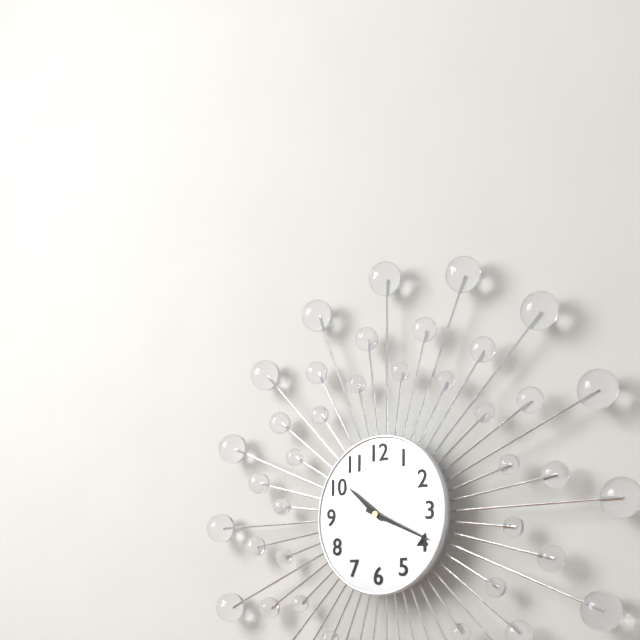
10:19
